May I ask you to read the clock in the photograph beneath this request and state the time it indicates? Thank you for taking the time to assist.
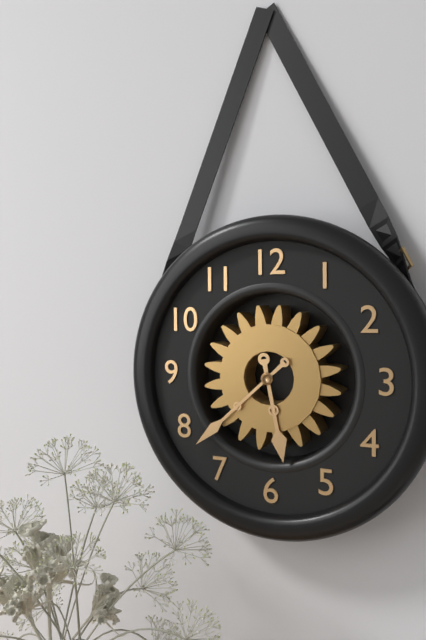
5:38
